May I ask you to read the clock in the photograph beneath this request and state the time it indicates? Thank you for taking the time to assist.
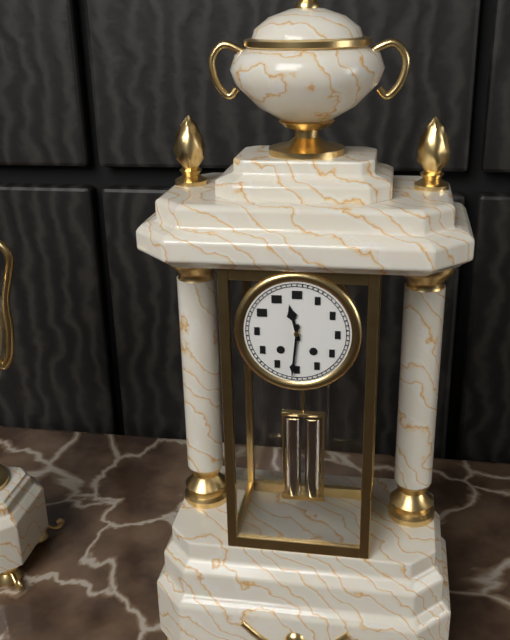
11:31
